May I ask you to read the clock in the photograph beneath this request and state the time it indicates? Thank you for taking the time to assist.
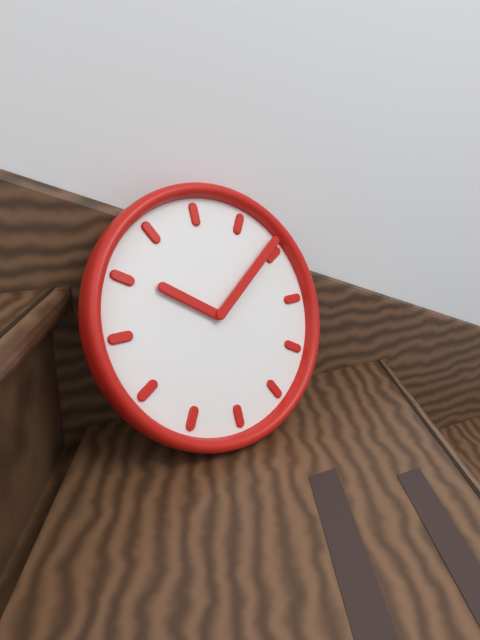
10:09
